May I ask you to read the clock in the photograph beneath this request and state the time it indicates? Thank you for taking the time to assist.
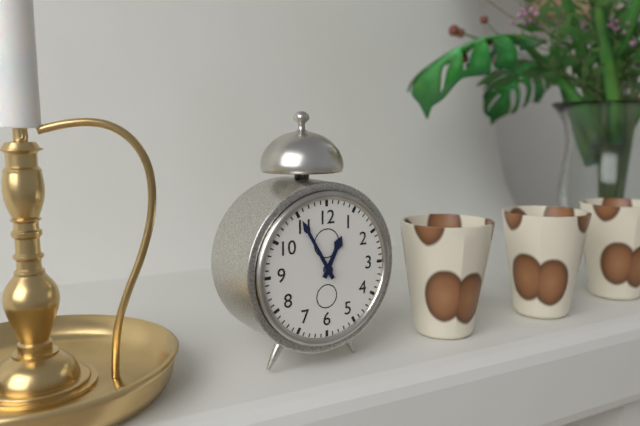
12:55
